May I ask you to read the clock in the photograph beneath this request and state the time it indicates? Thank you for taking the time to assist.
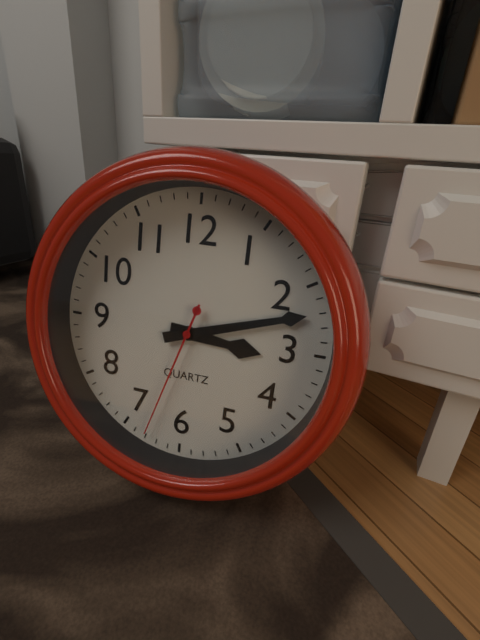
3:12:33
